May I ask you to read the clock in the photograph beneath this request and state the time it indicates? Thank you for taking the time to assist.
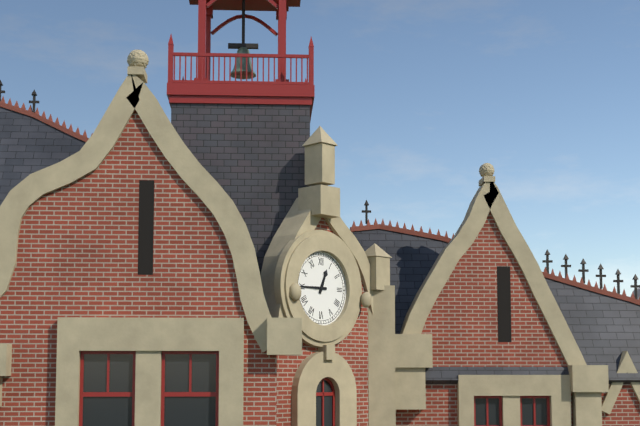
12:45
